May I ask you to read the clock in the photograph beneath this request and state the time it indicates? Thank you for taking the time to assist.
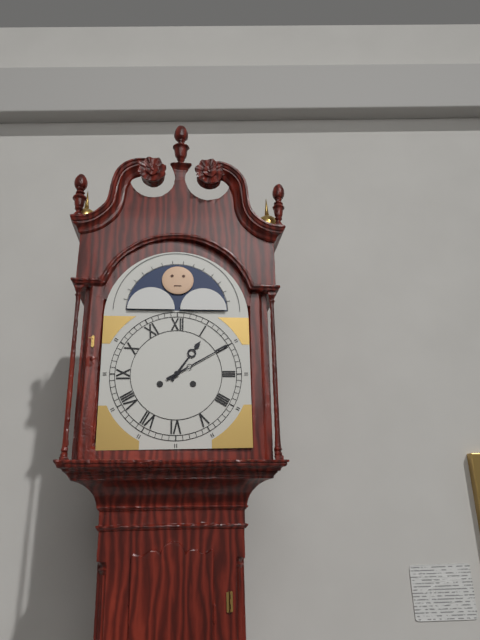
1:10
